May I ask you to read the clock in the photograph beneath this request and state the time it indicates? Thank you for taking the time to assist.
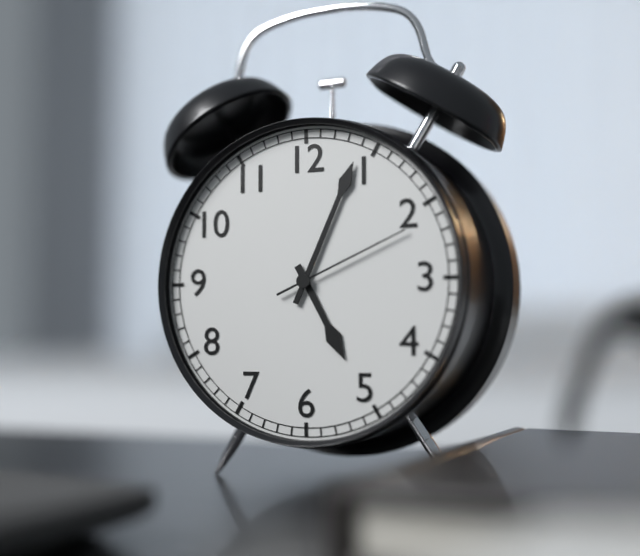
5:04:11
